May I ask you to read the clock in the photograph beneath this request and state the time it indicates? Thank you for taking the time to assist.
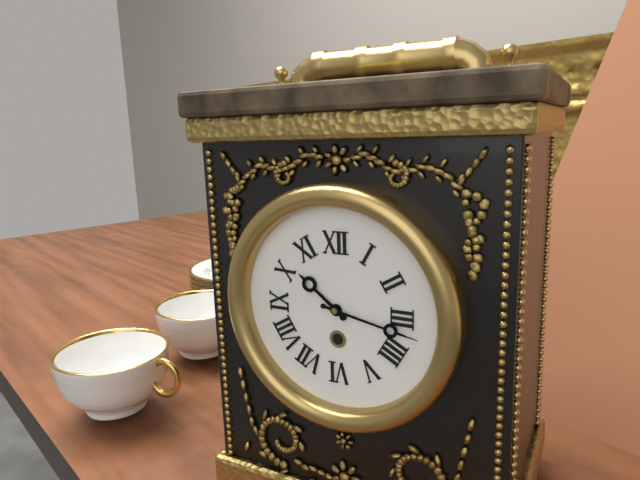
10:17
